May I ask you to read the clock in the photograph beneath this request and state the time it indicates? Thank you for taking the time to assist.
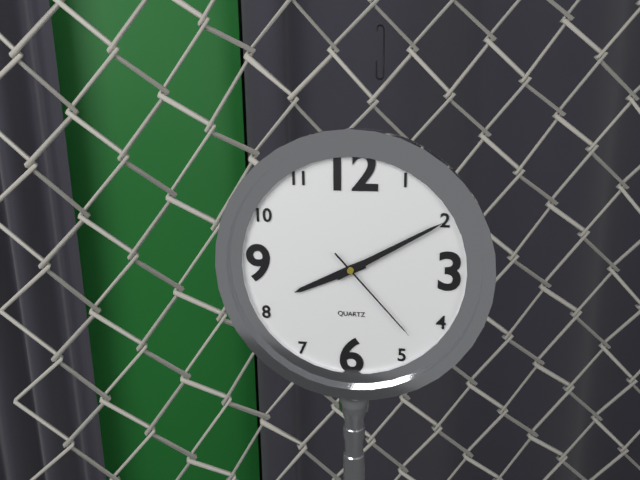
8:10:23
